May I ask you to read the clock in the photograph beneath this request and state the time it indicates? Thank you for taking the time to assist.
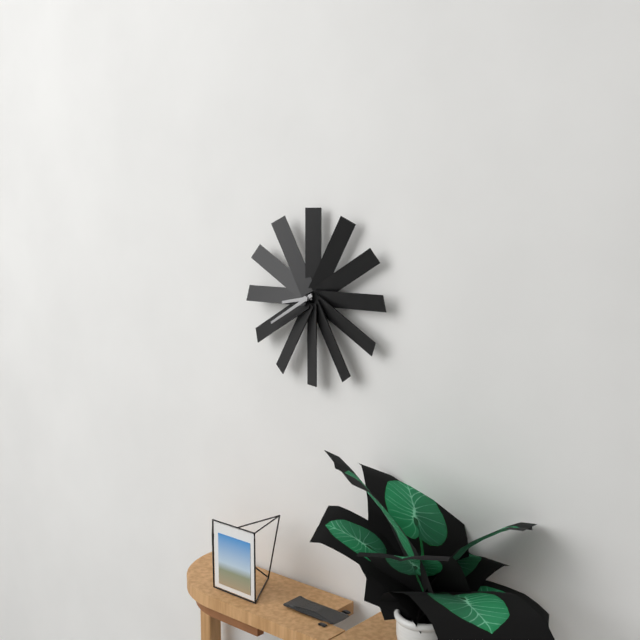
8:40
